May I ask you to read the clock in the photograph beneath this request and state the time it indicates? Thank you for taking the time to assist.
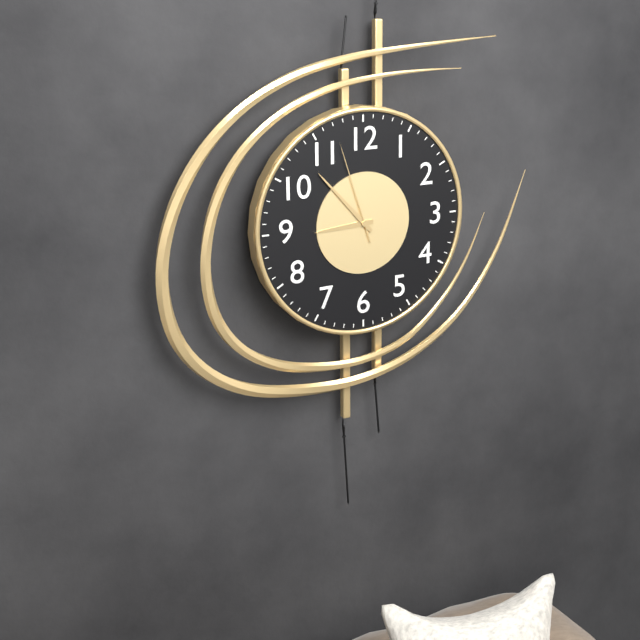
8:53:57
